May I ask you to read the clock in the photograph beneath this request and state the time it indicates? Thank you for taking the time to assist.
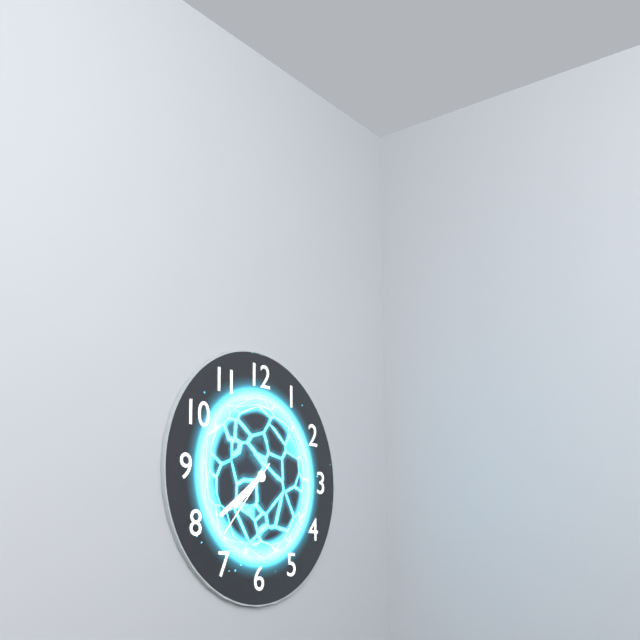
7:39:37
